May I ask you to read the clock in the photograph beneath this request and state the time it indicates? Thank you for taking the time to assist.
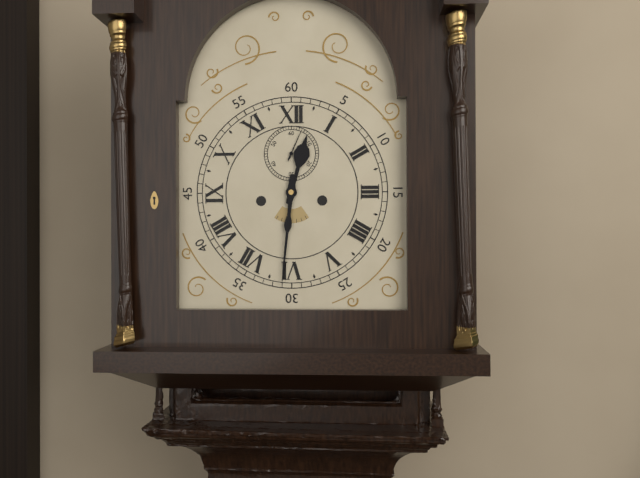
12:31
